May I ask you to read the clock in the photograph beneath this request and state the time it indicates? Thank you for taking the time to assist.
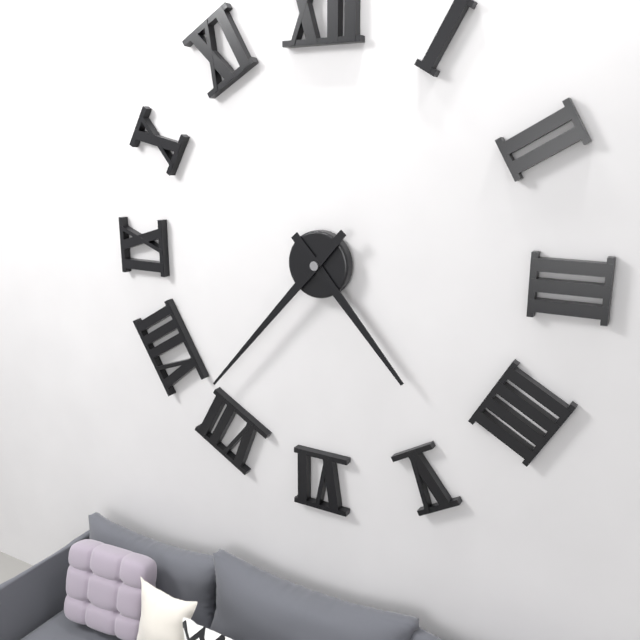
4:37
